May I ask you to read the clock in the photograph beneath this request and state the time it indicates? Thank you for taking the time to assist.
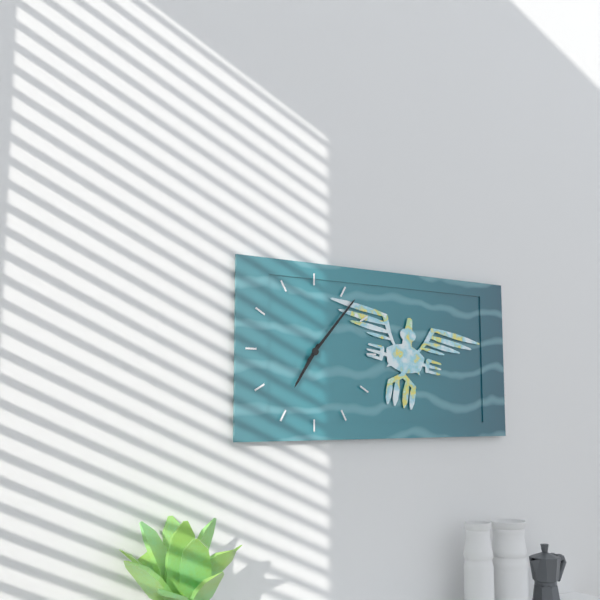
7:07
